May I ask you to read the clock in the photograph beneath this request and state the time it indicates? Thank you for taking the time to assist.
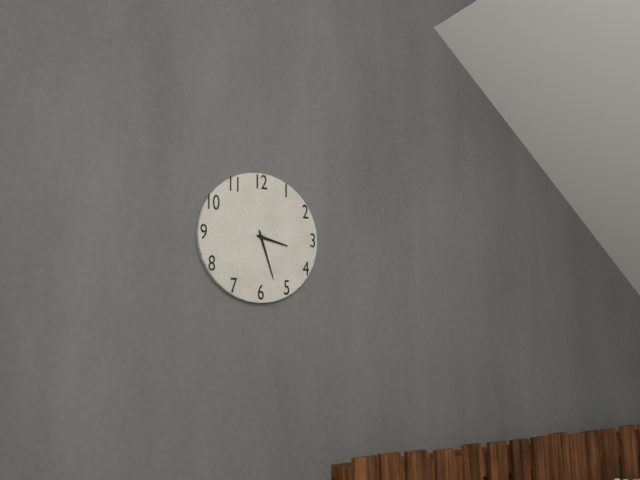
3:27
